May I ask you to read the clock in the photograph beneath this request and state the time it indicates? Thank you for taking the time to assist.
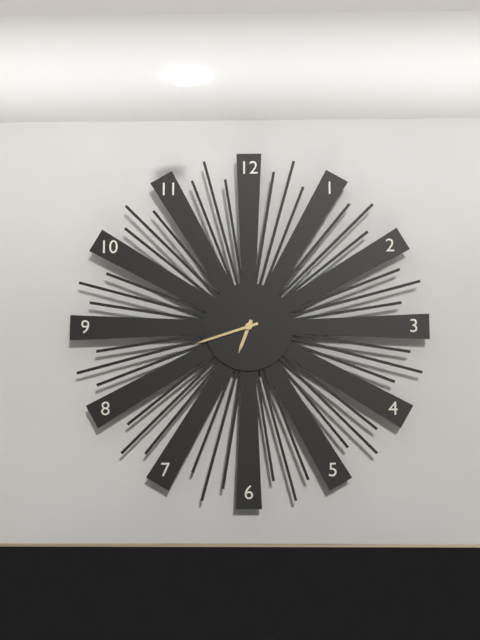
6:42
